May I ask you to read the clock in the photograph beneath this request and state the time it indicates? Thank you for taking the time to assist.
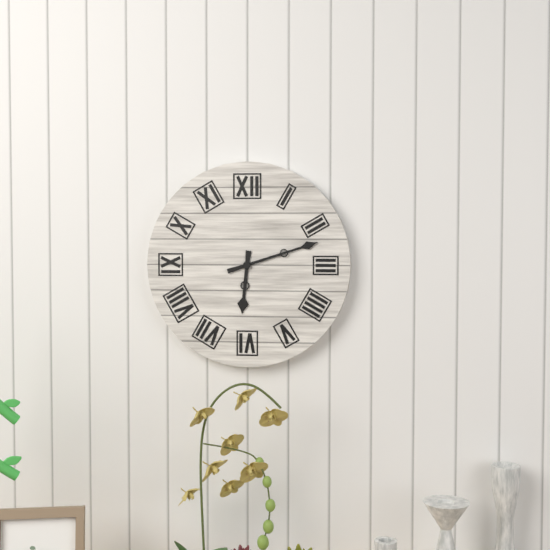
6:12
